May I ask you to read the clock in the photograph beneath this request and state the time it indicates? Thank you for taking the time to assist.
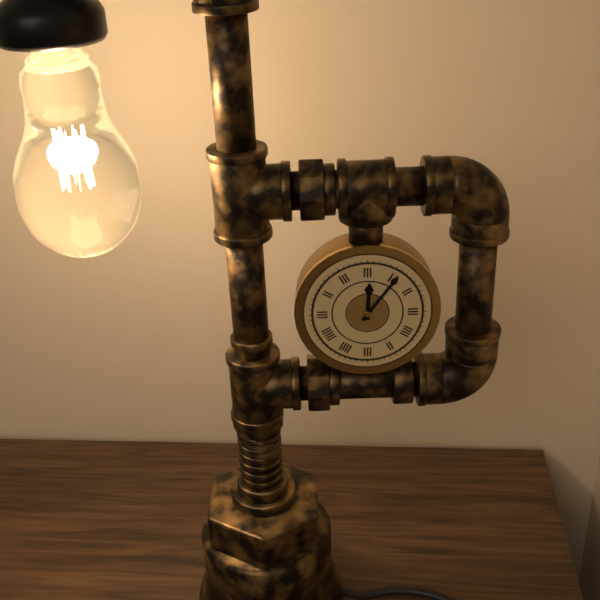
12:06
